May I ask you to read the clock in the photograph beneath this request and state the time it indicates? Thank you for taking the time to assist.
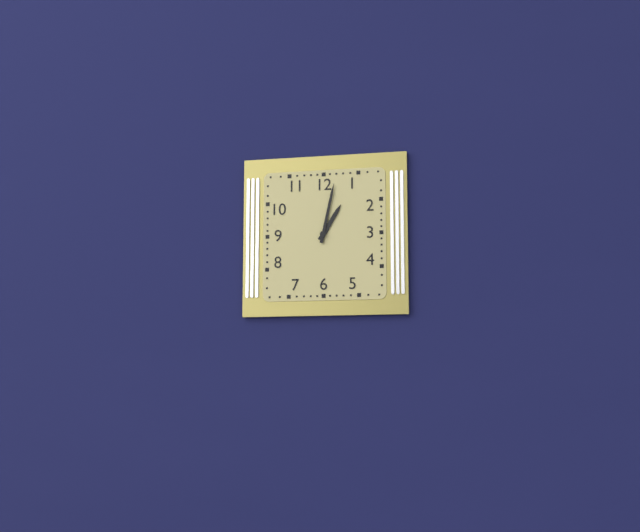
1:02
